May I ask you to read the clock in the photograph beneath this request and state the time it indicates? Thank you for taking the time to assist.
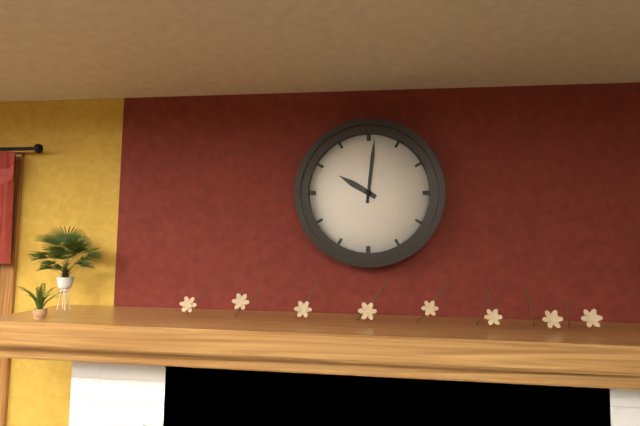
10:01
